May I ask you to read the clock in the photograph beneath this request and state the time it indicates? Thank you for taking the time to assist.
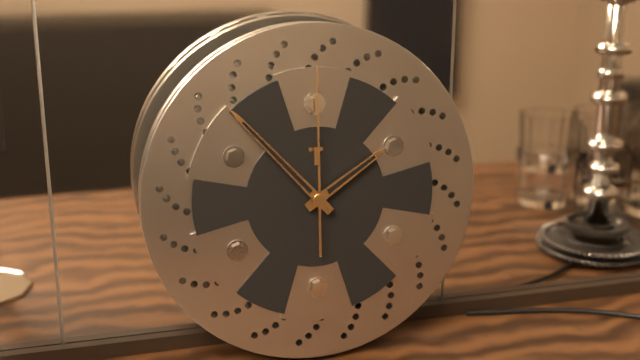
1:53:00
